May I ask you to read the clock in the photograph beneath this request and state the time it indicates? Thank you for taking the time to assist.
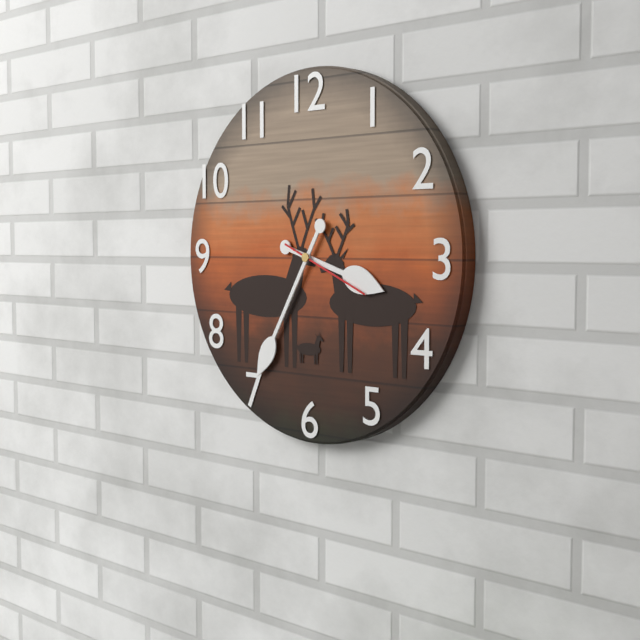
3:35:19
